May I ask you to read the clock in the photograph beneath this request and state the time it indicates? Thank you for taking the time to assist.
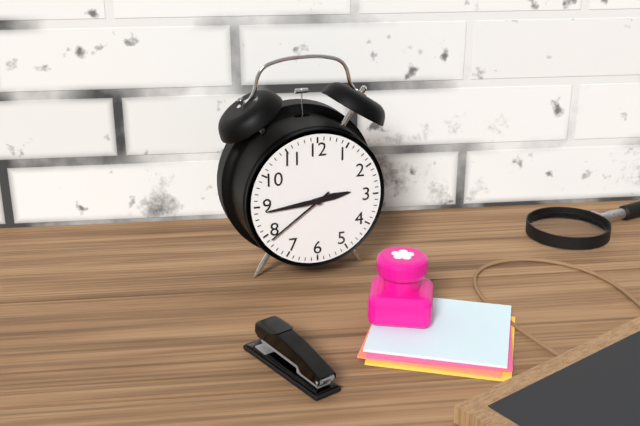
2:44:39
